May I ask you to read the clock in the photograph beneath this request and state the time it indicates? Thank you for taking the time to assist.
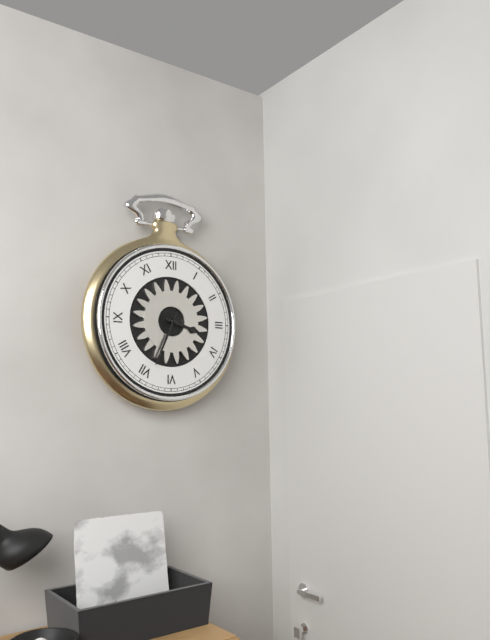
3:34
